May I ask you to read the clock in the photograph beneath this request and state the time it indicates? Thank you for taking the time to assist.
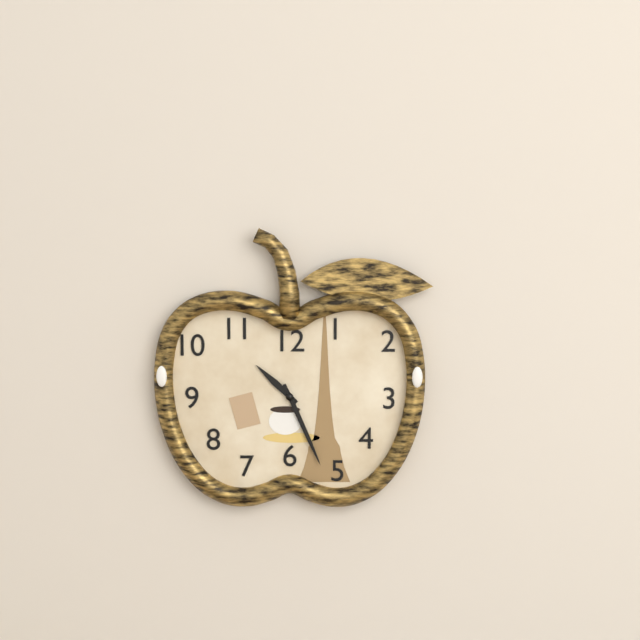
10:26
